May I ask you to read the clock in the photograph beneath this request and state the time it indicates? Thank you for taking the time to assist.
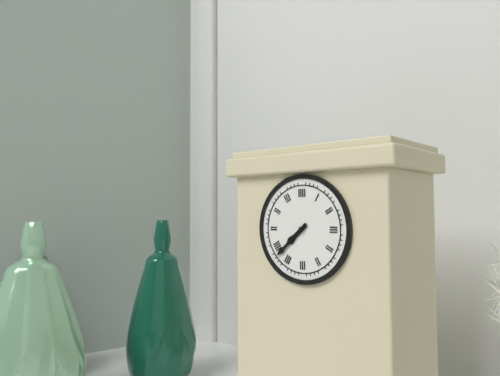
7:38
